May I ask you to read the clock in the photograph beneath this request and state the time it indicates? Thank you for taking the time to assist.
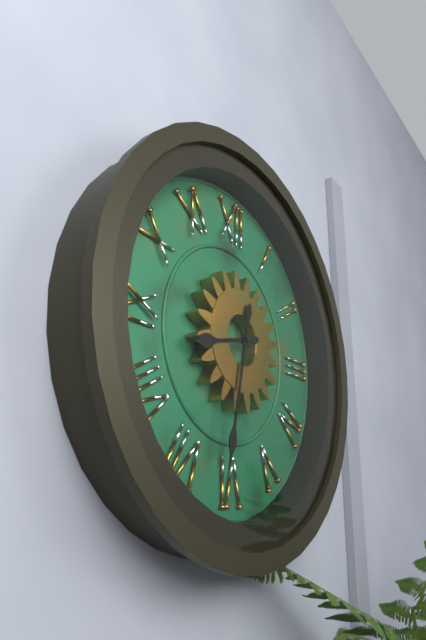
8:32
